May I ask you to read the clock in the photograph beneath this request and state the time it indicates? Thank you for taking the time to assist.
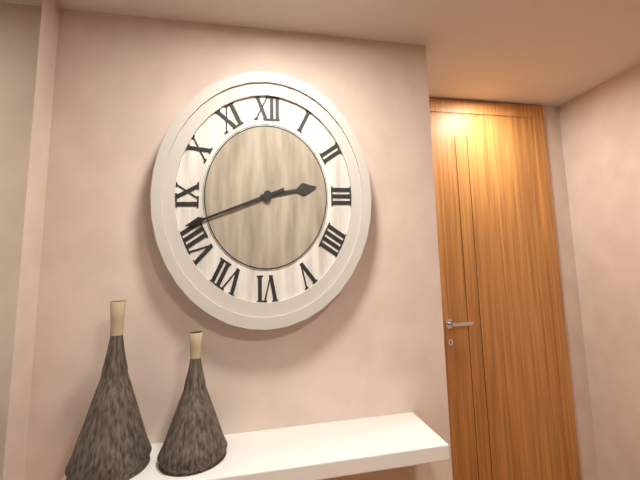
2:42
